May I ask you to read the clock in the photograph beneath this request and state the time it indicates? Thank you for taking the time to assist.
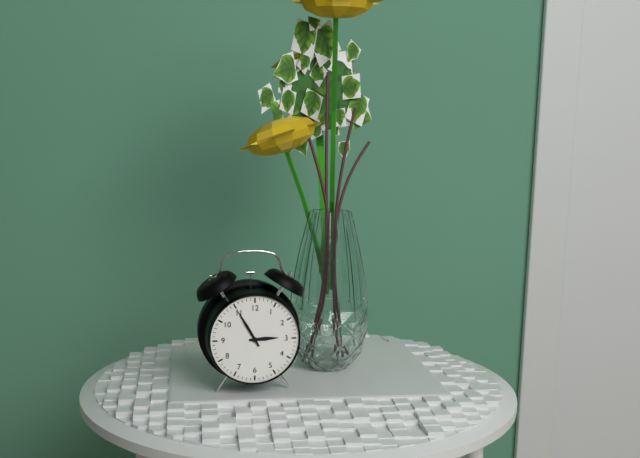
2:55
